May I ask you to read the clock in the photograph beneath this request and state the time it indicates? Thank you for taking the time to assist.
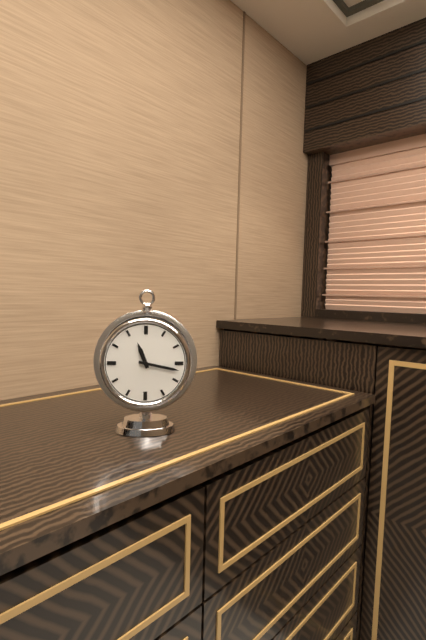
11:17
